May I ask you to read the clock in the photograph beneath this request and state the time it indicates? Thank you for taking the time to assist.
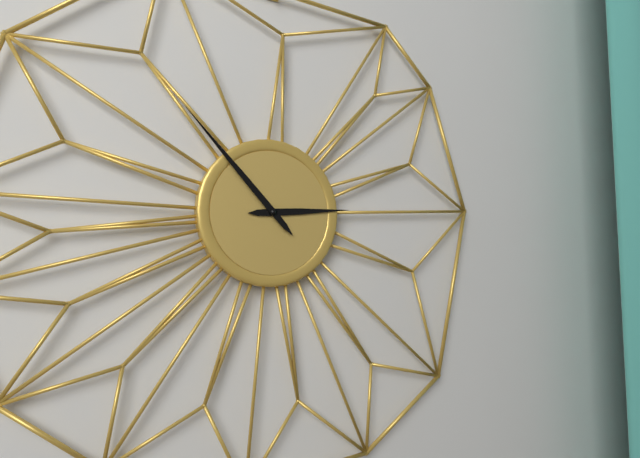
2:53
